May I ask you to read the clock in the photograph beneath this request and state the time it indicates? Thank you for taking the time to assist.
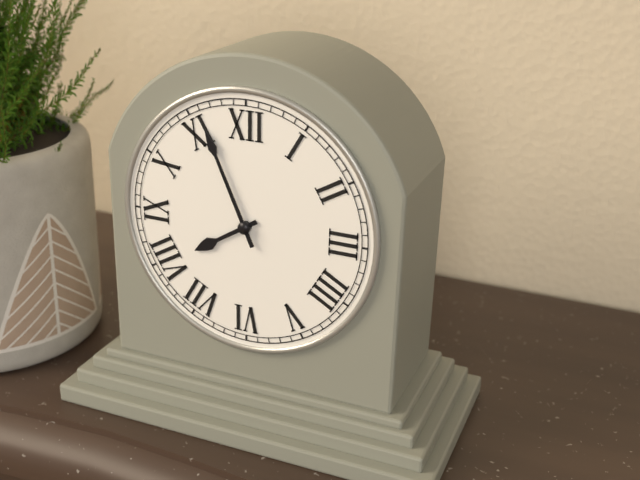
7:56
